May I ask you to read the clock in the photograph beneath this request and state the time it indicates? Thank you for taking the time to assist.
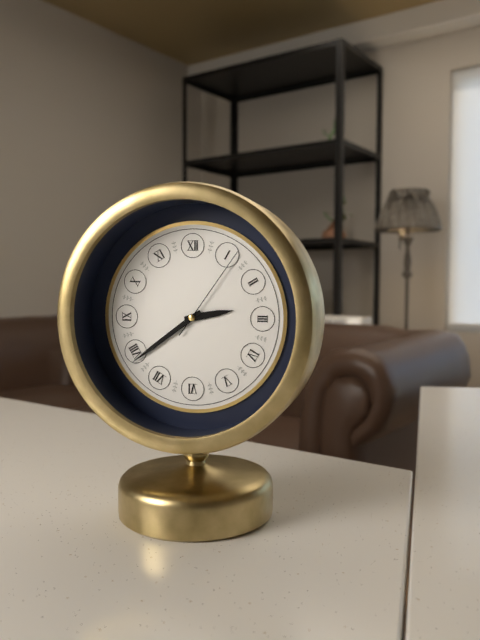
2:39:06
